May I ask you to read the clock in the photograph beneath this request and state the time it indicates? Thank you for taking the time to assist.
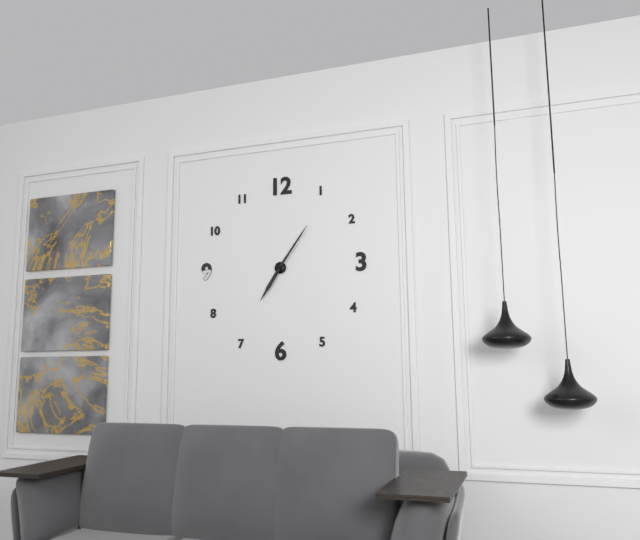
7:06
